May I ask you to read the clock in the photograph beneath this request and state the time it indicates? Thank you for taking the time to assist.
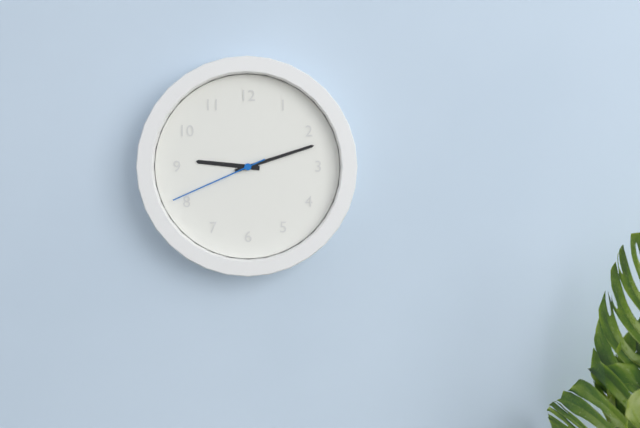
9:12:41
